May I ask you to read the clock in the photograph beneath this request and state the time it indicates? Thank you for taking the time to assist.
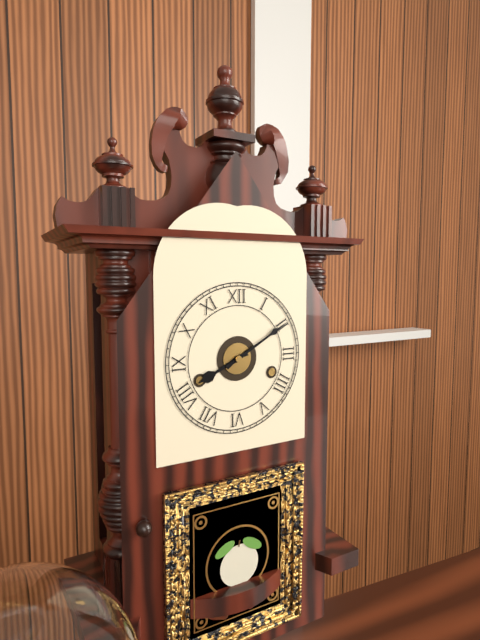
8:10
